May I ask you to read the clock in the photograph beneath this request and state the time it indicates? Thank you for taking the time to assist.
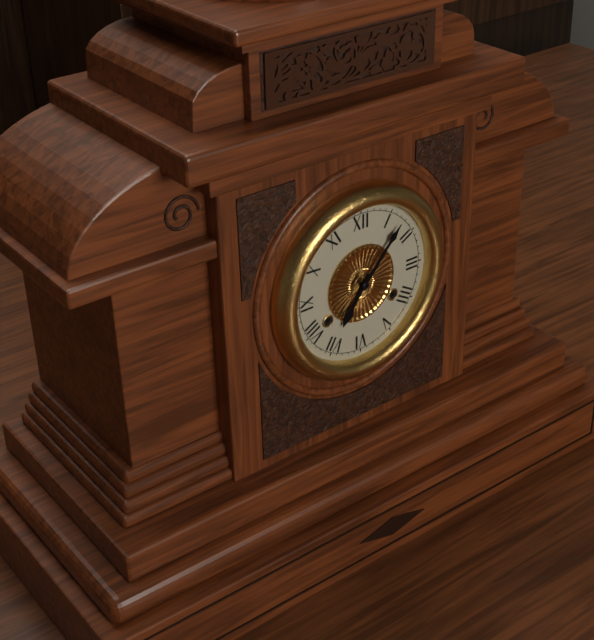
7:07
